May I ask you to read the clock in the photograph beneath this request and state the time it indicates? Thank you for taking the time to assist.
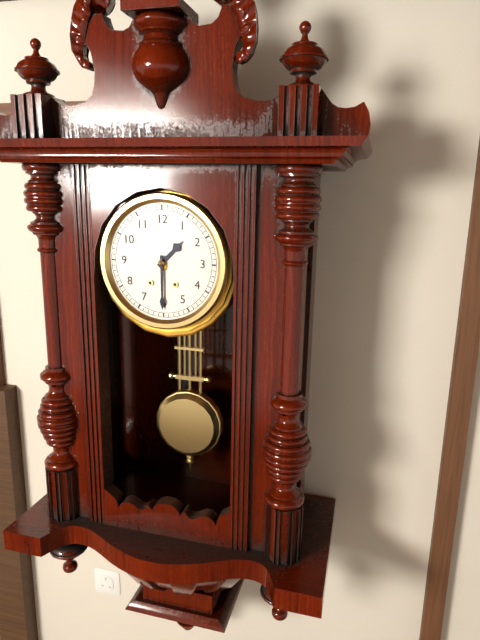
1:30
